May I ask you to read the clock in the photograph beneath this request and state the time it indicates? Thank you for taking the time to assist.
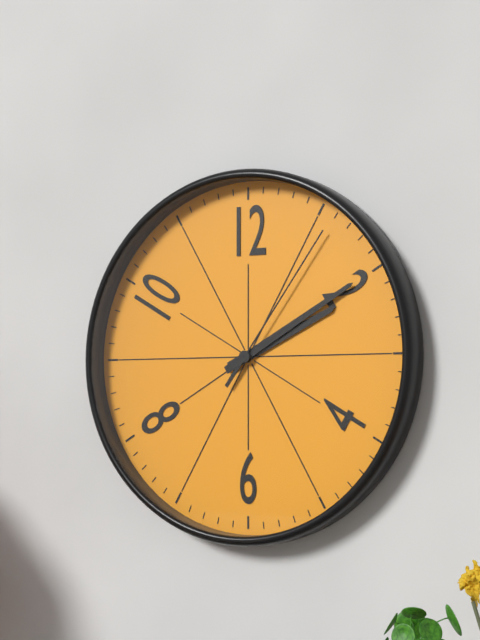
2:10:06
